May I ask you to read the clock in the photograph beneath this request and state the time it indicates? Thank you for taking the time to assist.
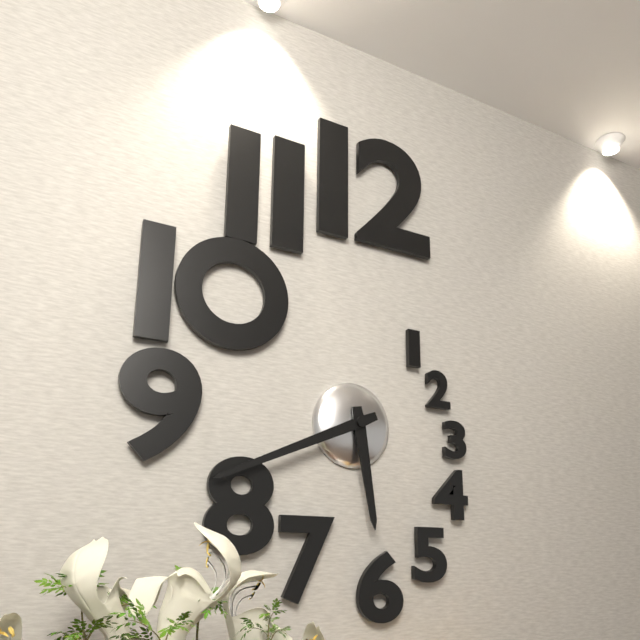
5:41
